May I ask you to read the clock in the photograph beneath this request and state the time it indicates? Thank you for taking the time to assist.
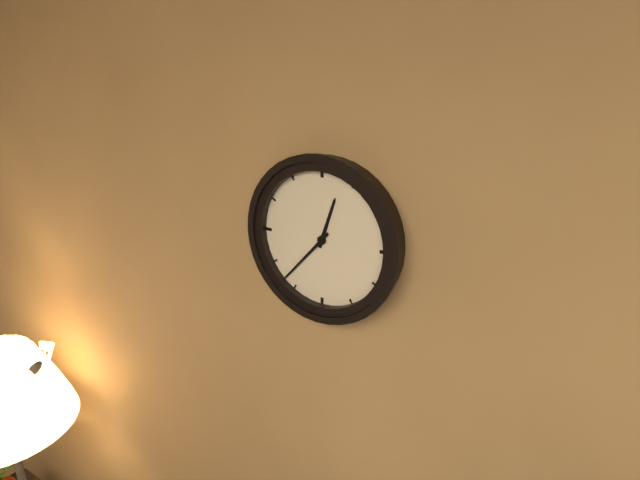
12:37
